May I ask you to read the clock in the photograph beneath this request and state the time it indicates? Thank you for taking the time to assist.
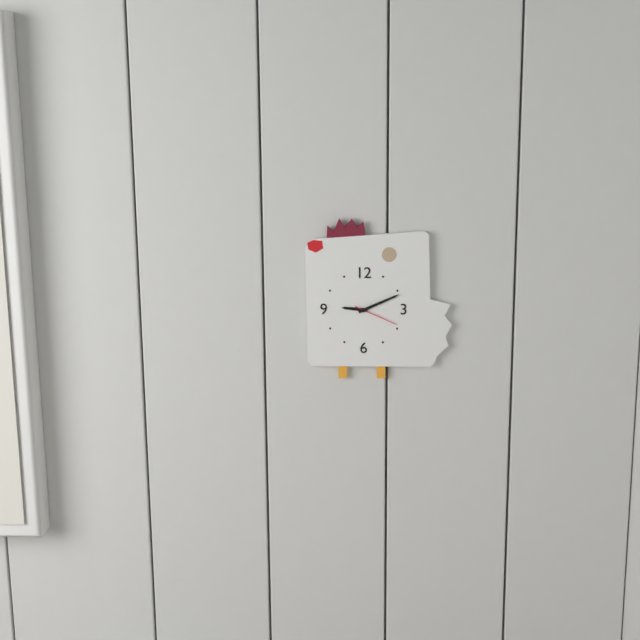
9:11
